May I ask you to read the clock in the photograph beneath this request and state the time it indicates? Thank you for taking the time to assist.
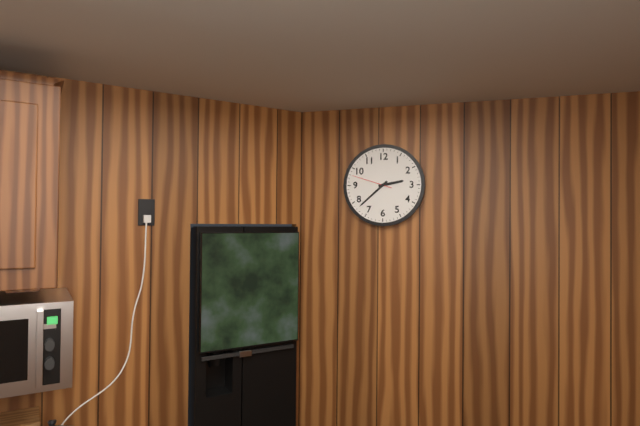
2:38
